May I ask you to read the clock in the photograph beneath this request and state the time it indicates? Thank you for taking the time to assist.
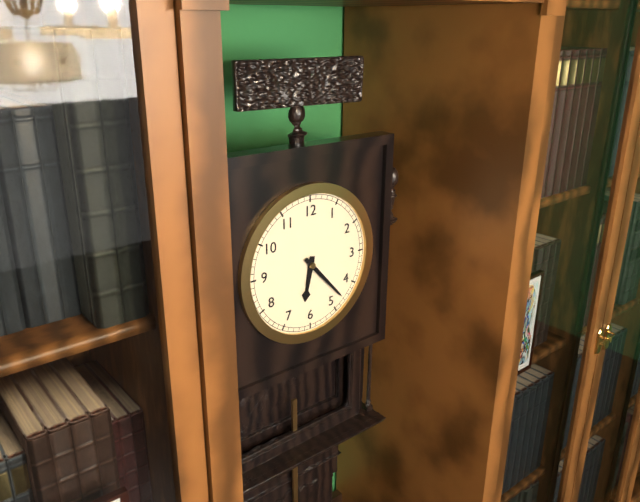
6:23
